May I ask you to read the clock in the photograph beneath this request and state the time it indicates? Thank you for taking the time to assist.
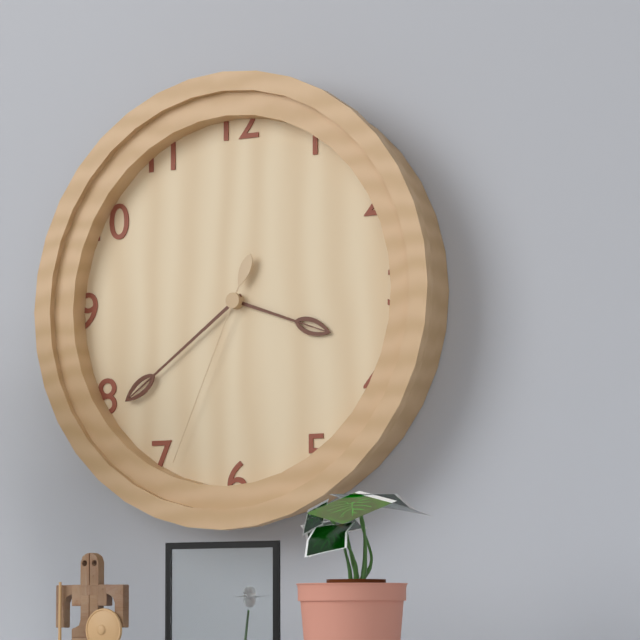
3:39:34
